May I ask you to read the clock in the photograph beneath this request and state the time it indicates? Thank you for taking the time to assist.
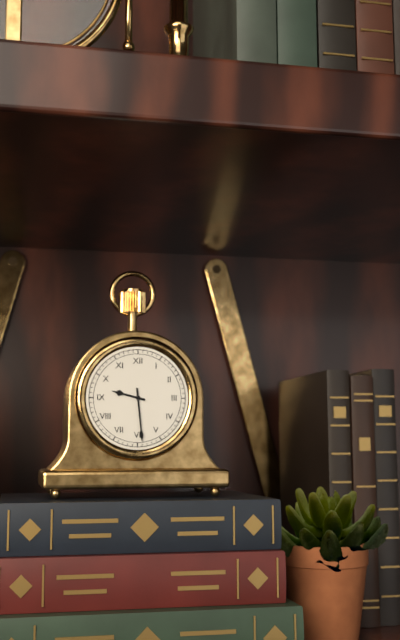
9:29
